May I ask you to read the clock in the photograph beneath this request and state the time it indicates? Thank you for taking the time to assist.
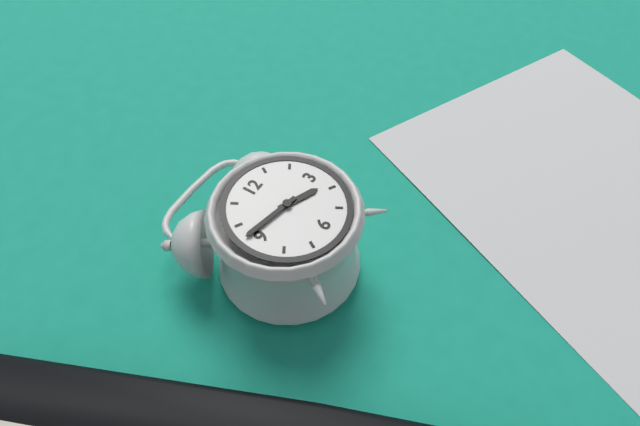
3:47
